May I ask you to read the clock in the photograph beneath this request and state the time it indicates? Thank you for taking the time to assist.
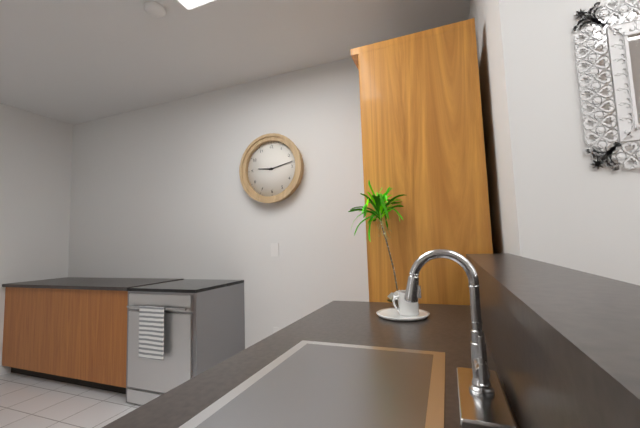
9:13
